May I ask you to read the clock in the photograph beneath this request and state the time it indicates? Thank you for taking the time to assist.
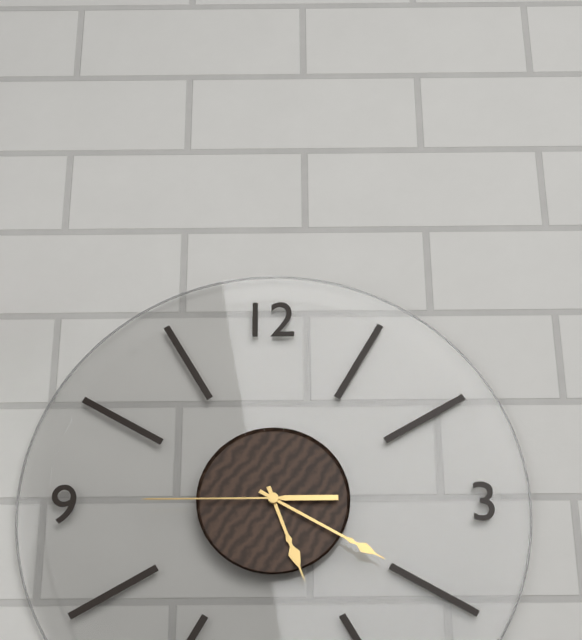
5:20:45
